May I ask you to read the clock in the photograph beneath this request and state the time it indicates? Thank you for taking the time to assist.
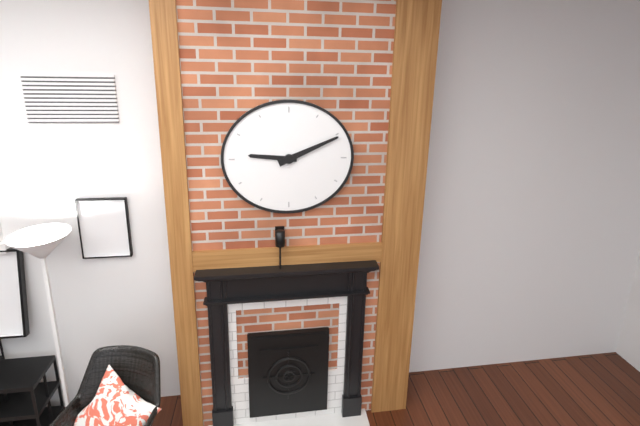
9:11
